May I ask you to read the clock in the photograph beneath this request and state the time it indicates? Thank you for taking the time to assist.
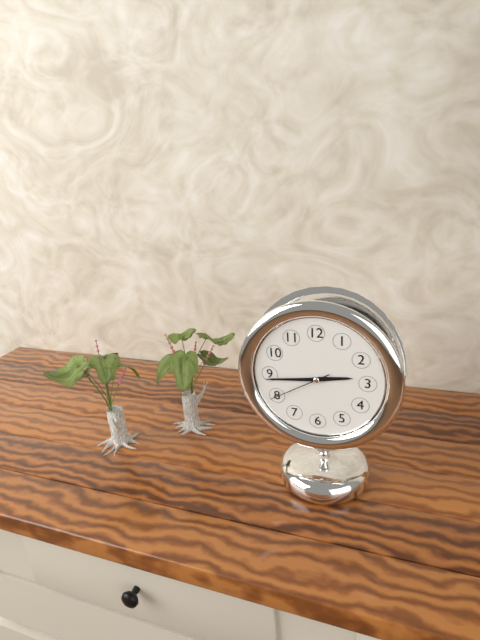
2:44:40
